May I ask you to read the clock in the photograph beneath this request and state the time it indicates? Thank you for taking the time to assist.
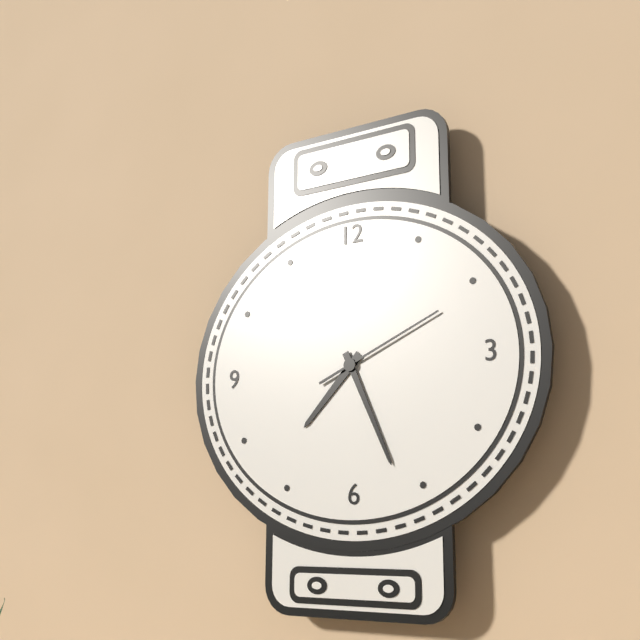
7:26:11
